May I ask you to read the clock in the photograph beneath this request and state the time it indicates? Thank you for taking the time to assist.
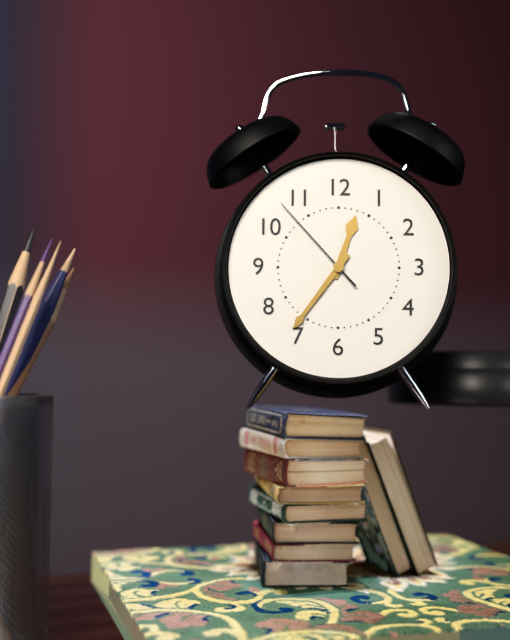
12:36:53
